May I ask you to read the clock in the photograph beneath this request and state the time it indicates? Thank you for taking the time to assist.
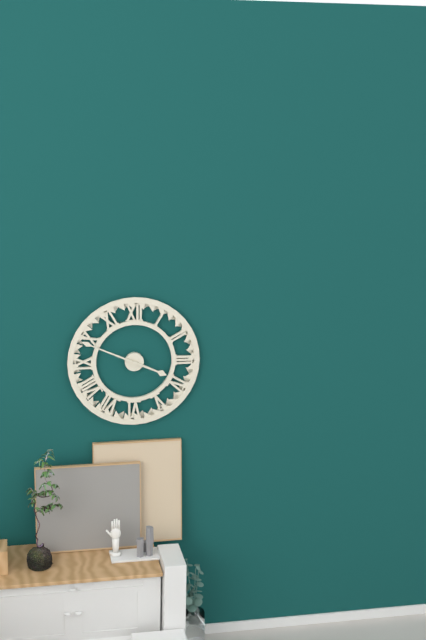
3:49
